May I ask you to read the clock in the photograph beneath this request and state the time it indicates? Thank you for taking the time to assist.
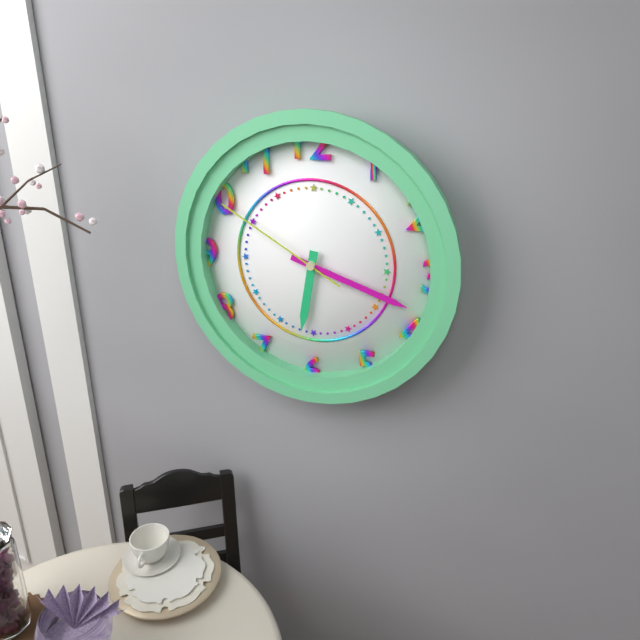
6:18:50
